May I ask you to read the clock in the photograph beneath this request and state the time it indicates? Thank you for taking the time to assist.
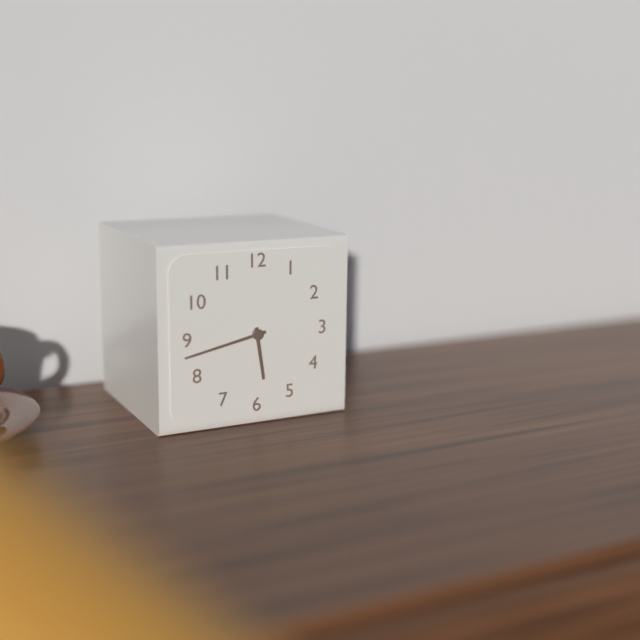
5:43
